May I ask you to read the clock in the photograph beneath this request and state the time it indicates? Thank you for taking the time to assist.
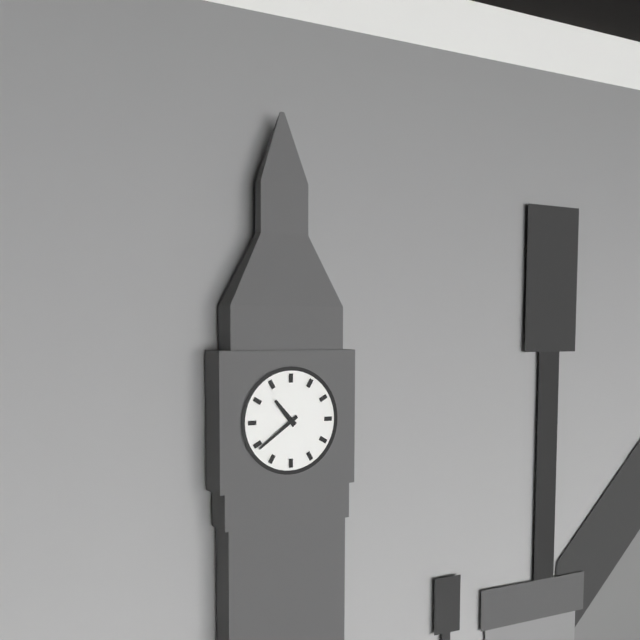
10:39
